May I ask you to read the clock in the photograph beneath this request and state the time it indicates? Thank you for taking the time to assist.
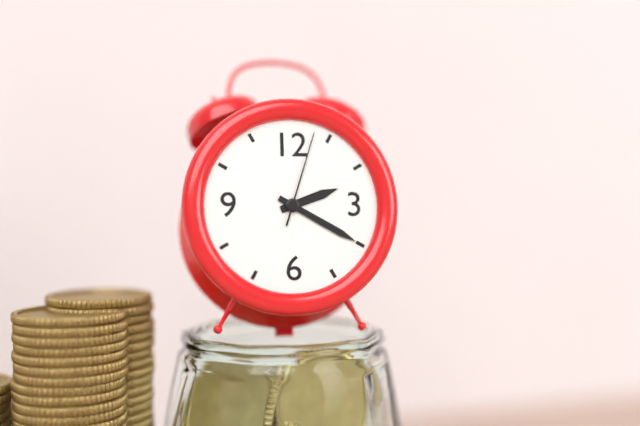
2:20:03
